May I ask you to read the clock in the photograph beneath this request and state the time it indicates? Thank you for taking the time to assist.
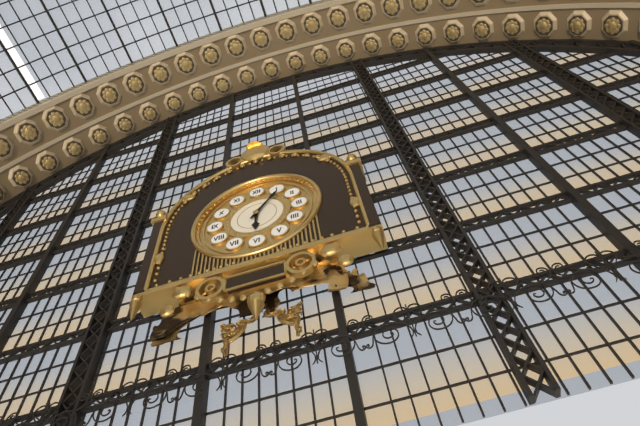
6:06
